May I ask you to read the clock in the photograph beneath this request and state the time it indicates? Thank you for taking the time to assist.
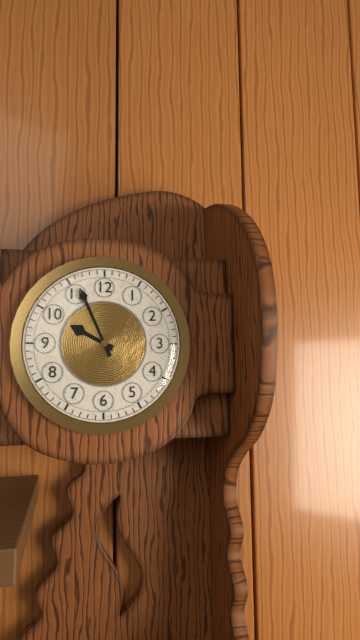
9:56
